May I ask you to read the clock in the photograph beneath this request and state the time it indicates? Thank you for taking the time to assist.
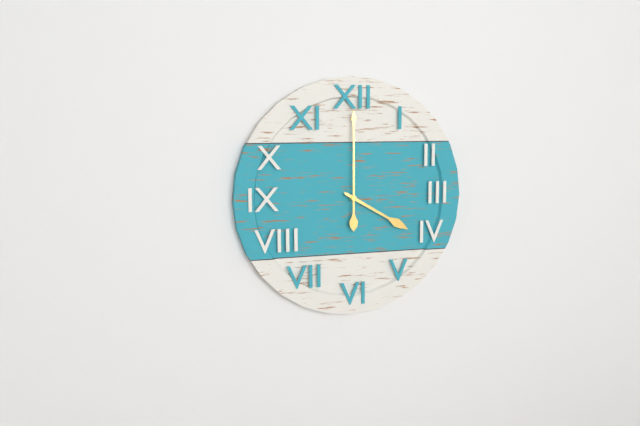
4:00
